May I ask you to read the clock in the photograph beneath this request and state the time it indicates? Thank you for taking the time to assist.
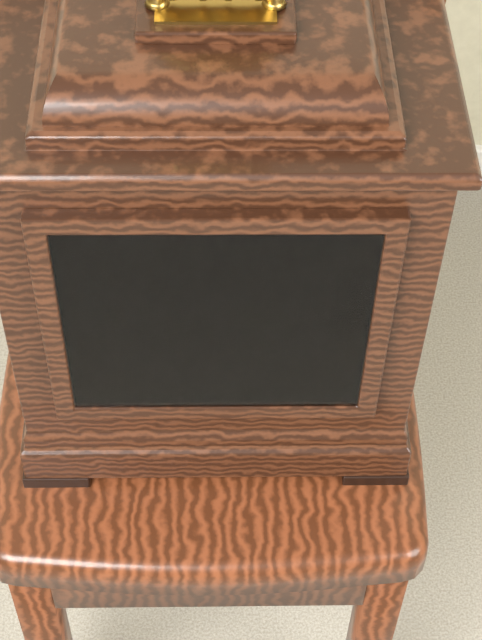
8:12
